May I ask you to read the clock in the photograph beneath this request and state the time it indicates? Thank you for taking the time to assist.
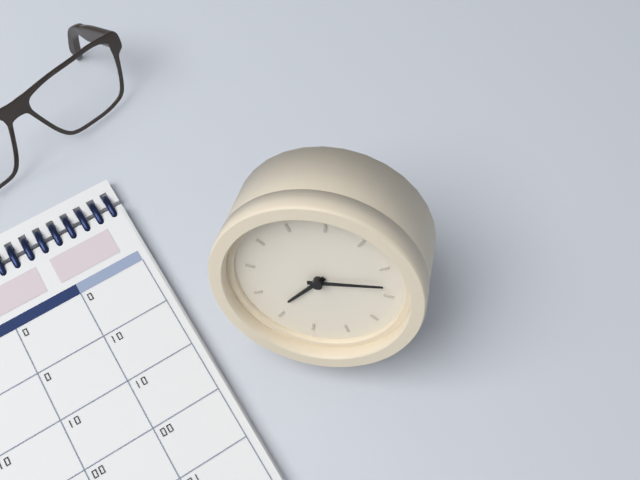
7:13
